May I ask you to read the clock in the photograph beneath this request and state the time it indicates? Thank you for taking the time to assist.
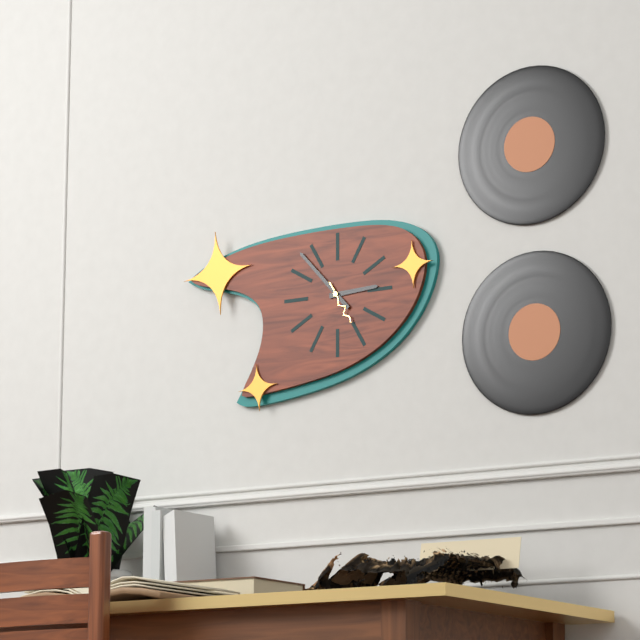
2:53
